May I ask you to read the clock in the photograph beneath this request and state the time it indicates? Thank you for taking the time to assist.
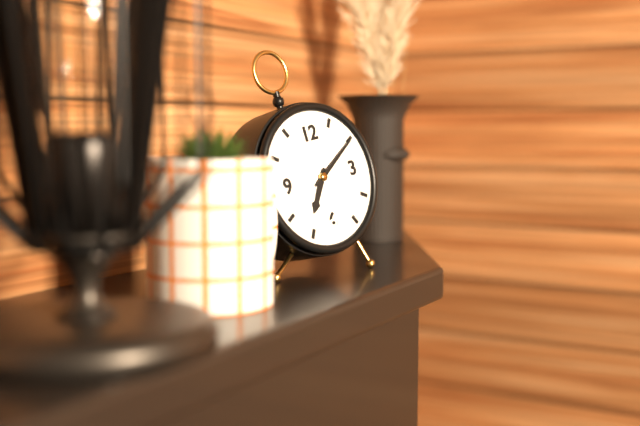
7:10
